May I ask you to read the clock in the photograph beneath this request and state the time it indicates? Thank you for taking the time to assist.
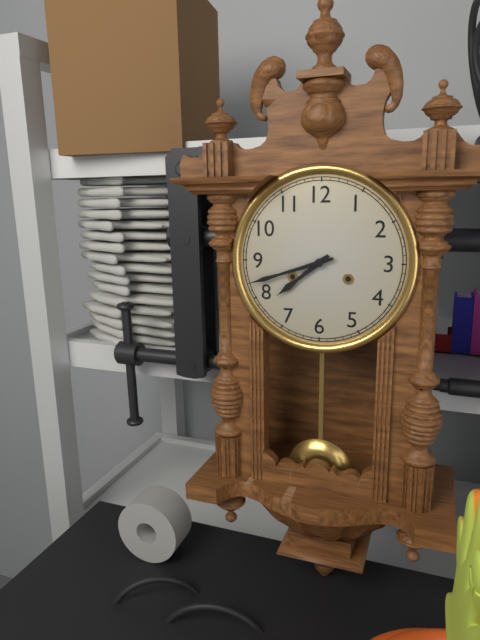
7:42
